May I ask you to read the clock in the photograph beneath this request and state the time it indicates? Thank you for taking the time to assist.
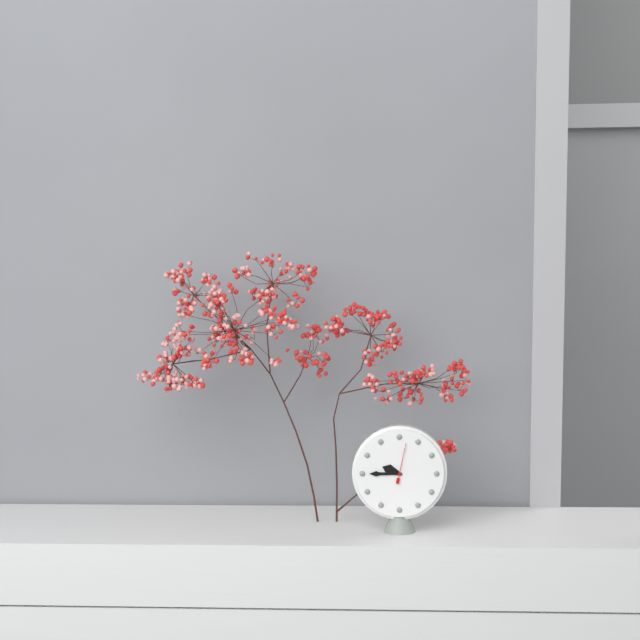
9:45
